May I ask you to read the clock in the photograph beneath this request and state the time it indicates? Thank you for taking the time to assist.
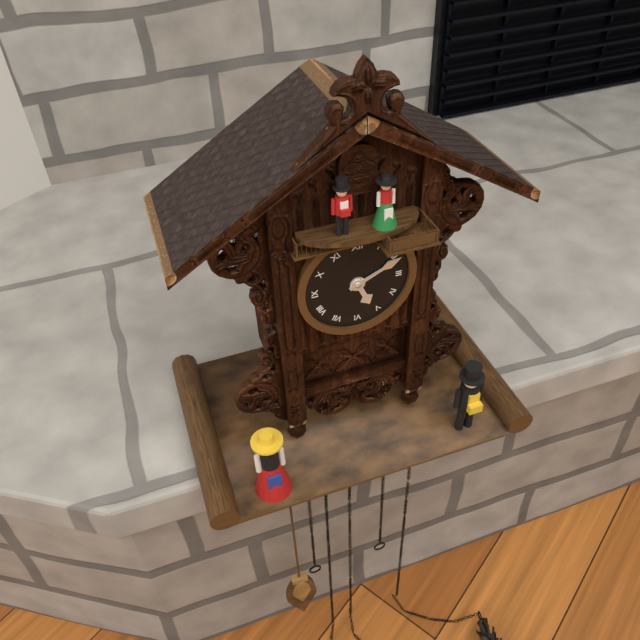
5:11
